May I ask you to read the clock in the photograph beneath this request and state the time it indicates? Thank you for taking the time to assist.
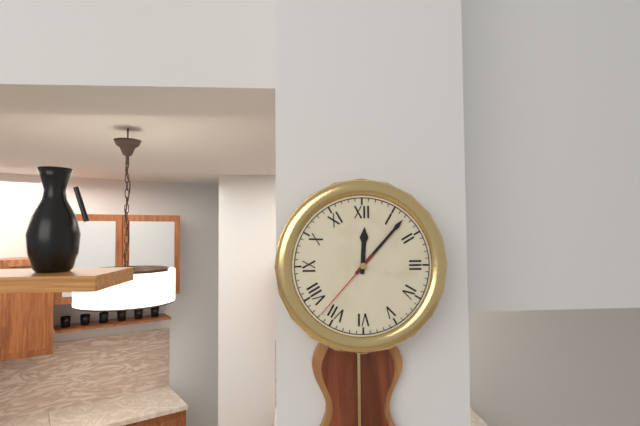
12:07:37
